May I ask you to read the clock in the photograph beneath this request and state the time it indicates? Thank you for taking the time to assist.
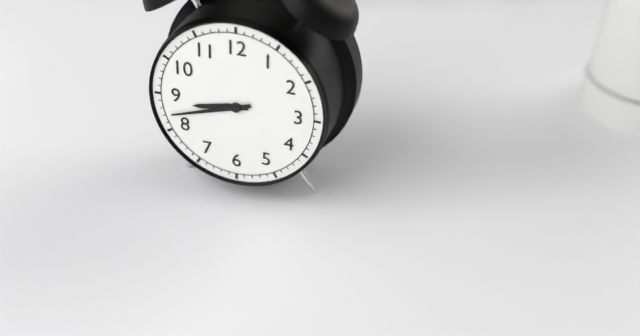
8:42
